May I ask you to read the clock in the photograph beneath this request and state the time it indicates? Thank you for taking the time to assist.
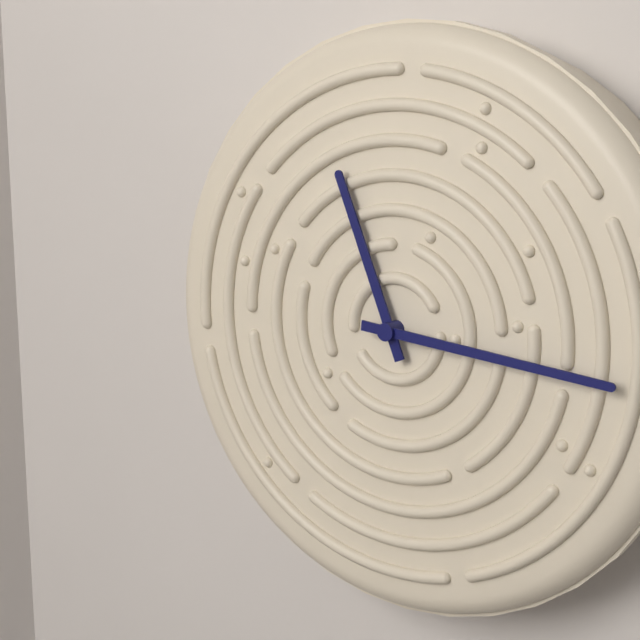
11:16
